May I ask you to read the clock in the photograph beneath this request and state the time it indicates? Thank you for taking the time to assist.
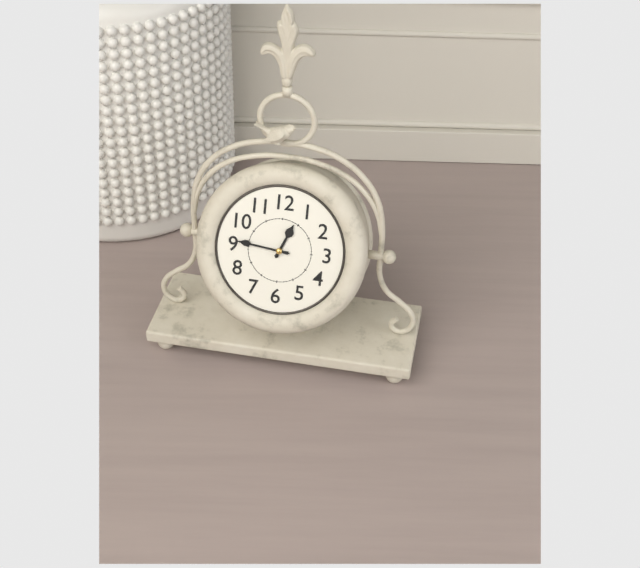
12:46
